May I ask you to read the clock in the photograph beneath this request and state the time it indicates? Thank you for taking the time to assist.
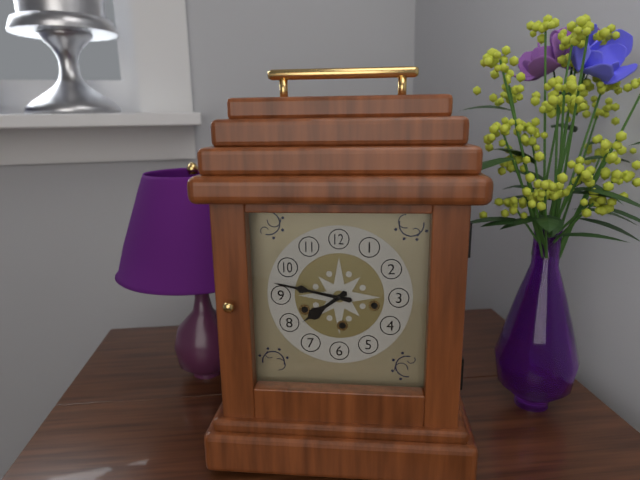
7:47
